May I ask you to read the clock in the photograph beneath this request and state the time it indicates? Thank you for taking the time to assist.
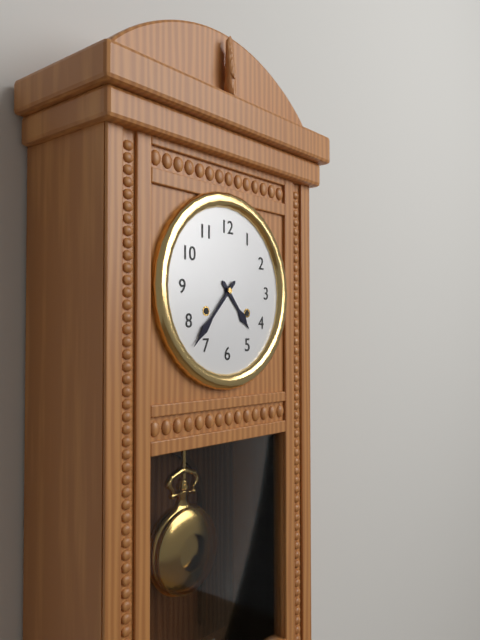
4:37
